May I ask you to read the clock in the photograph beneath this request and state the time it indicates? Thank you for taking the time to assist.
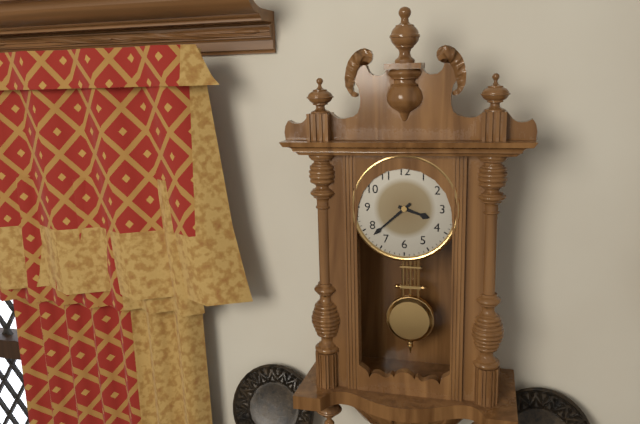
3:38
